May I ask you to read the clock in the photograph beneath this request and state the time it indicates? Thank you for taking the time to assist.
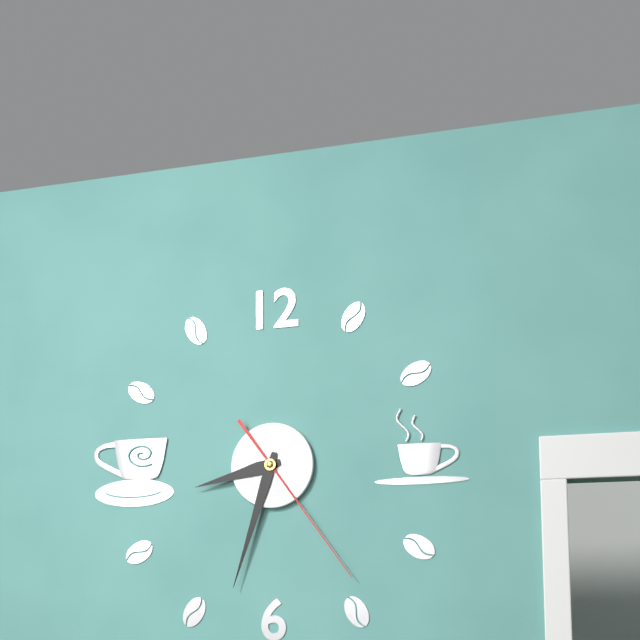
8:33:24
